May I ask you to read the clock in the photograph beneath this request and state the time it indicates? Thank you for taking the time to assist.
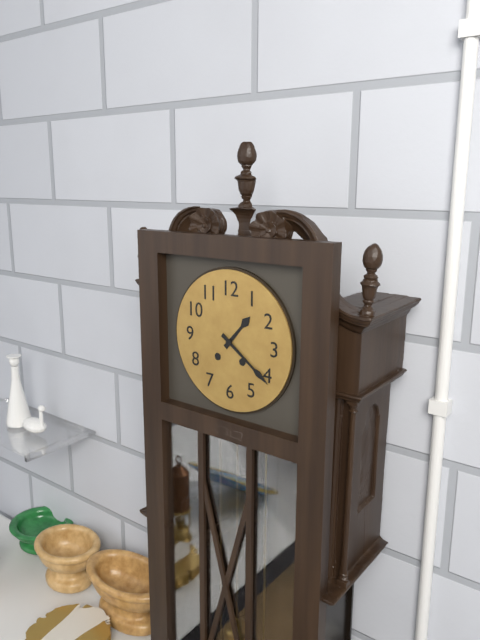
1:21
